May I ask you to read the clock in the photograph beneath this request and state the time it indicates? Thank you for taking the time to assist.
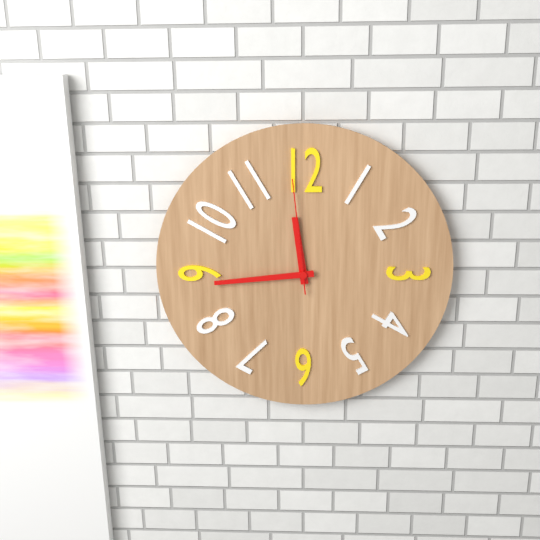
11:44:59
